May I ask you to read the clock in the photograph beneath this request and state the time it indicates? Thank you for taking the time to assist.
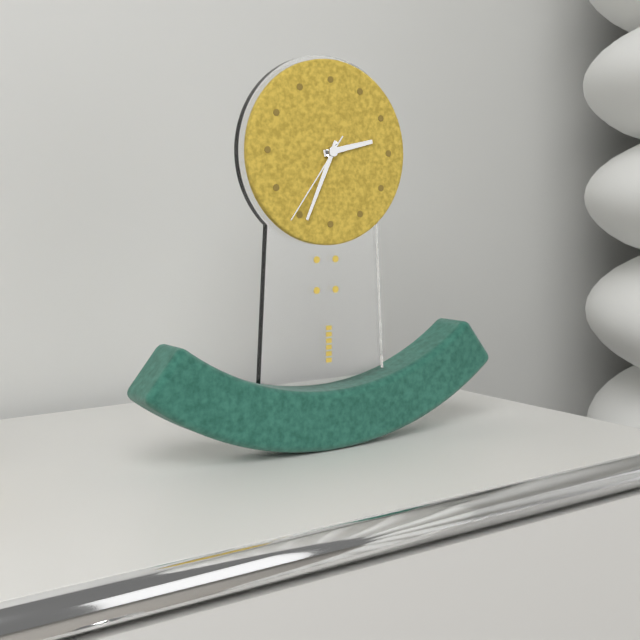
2:34:36
